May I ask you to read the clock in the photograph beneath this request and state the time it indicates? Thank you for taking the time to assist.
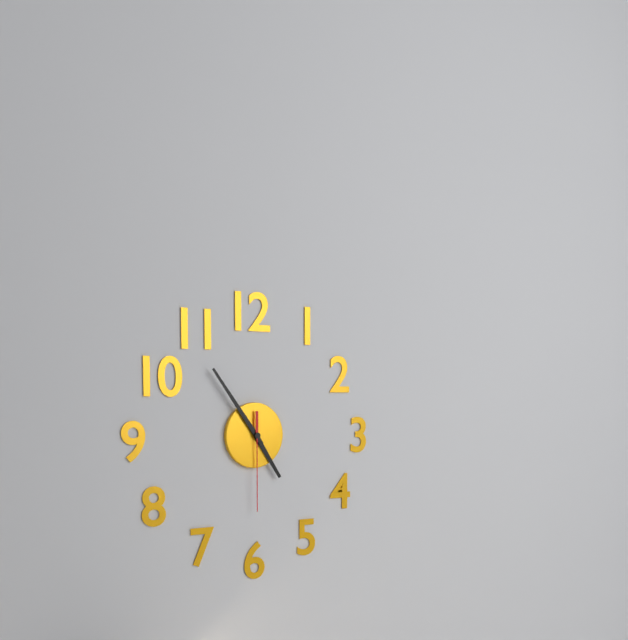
4:54:30
